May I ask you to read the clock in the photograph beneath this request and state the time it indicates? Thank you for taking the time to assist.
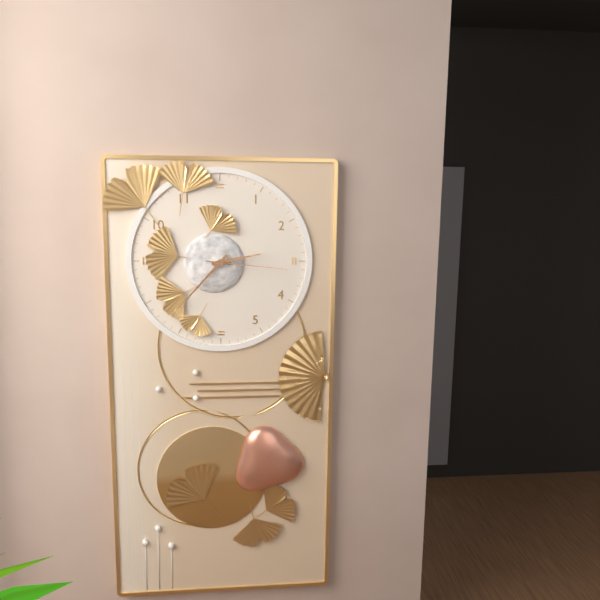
2:37:16
